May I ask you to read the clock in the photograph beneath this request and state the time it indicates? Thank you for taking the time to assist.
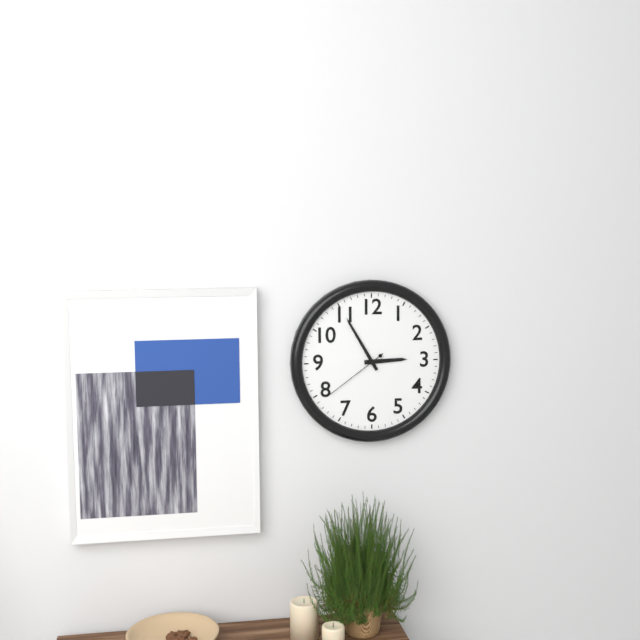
2:55:39
